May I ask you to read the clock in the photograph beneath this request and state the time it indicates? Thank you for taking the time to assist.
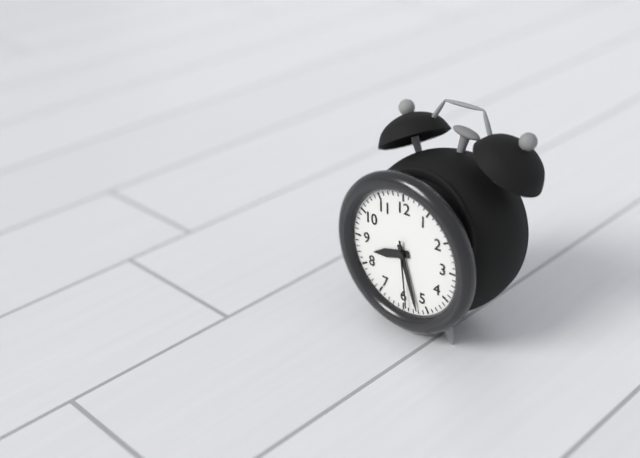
8:27:29
